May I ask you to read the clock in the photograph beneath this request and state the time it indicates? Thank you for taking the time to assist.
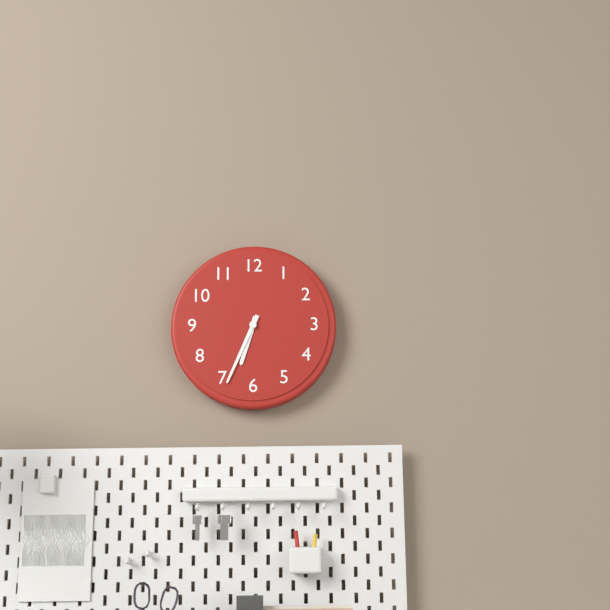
6:34
